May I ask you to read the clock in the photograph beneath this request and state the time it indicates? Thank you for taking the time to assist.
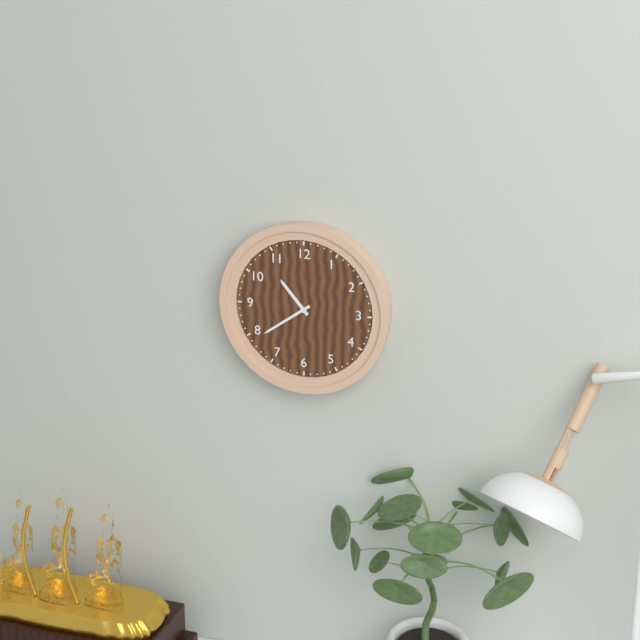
10:39
